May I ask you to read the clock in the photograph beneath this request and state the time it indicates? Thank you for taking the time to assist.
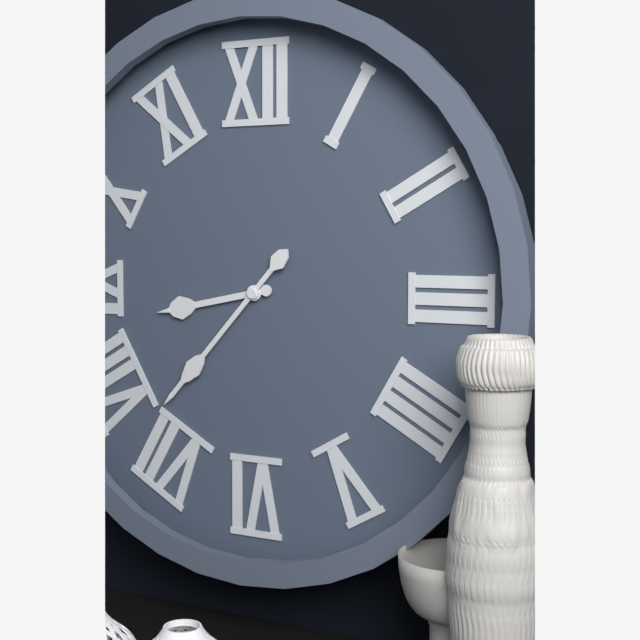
8:37
